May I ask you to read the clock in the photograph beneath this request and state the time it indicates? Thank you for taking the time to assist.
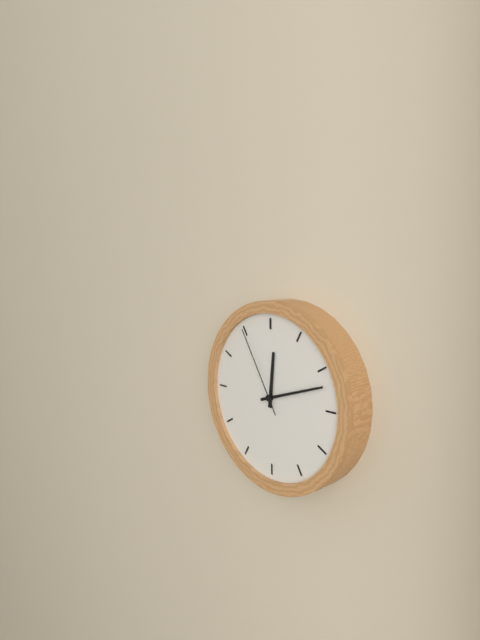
12:12:55
